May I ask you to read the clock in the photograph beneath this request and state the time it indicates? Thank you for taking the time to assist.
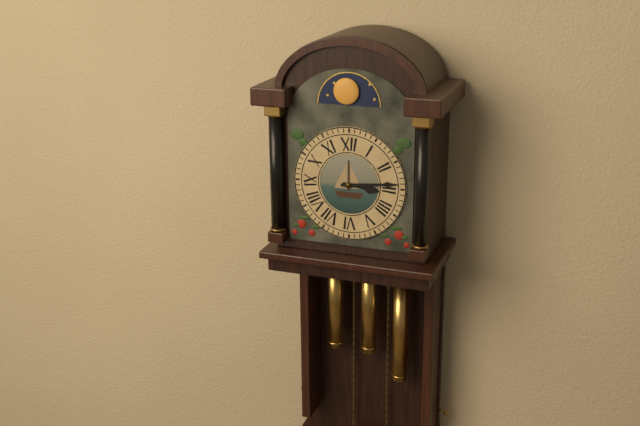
3:14
